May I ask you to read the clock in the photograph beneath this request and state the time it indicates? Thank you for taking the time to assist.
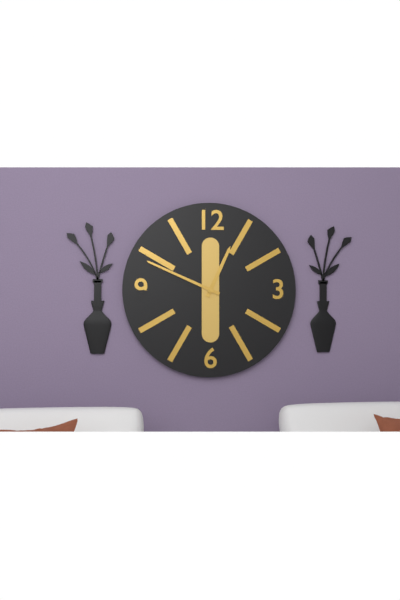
12:49
